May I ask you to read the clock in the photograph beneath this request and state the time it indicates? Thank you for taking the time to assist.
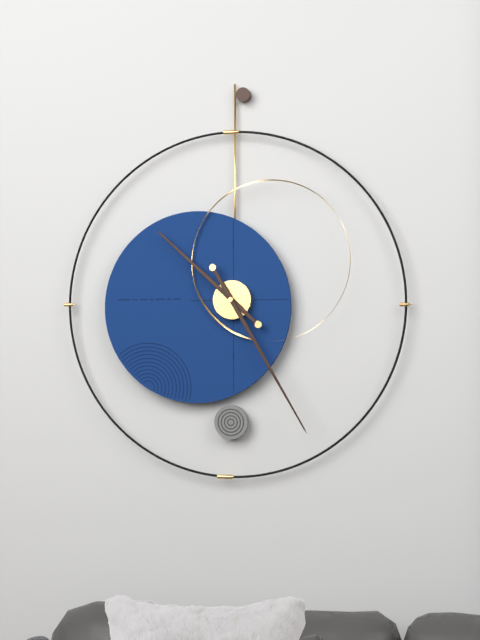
10:25
